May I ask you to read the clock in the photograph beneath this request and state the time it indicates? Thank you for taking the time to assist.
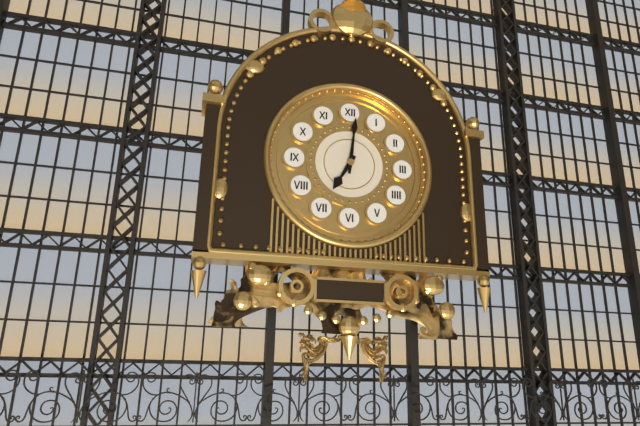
7:01
